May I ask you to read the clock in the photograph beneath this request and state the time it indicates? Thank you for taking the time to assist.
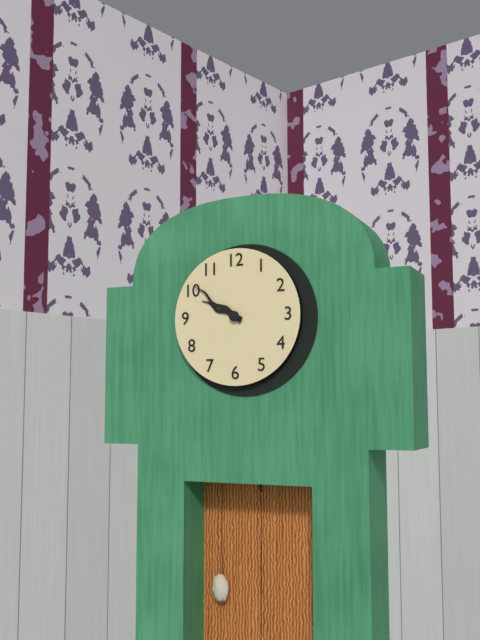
9:51
